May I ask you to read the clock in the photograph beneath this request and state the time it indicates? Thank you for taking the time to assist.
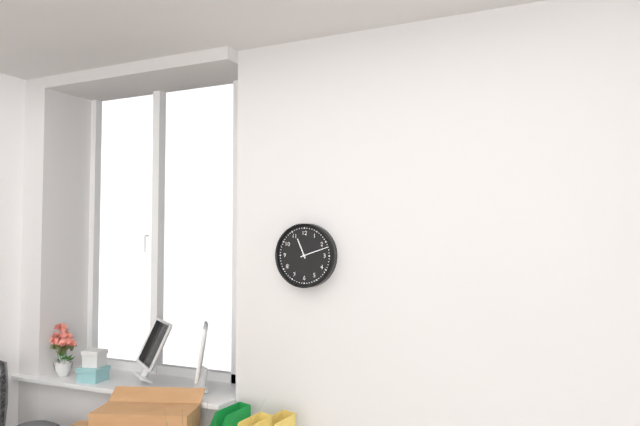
11:12
